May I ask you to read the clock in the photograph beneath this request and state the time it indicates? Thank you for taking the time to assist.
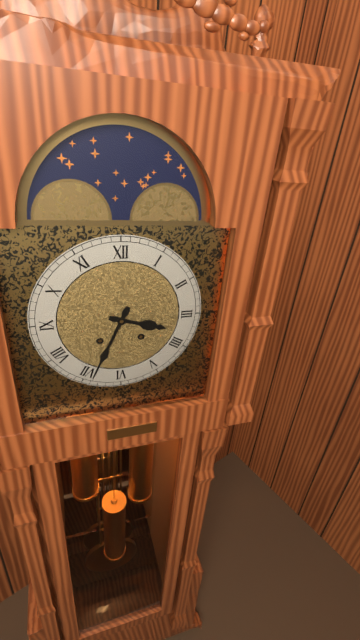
3:34
